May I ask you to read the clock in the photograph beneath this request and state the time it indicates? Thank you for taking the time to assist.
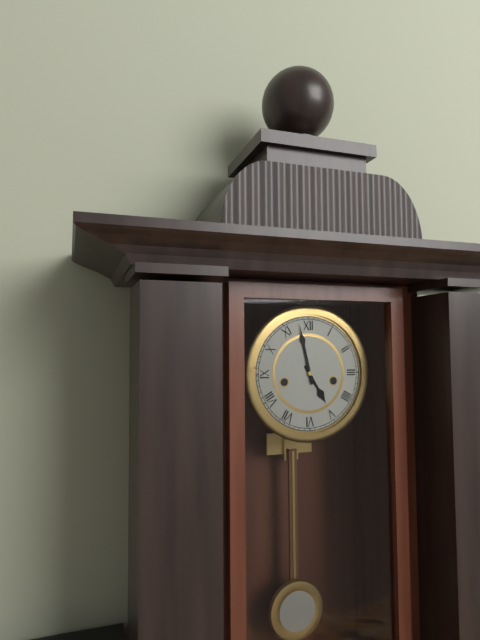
4:58
